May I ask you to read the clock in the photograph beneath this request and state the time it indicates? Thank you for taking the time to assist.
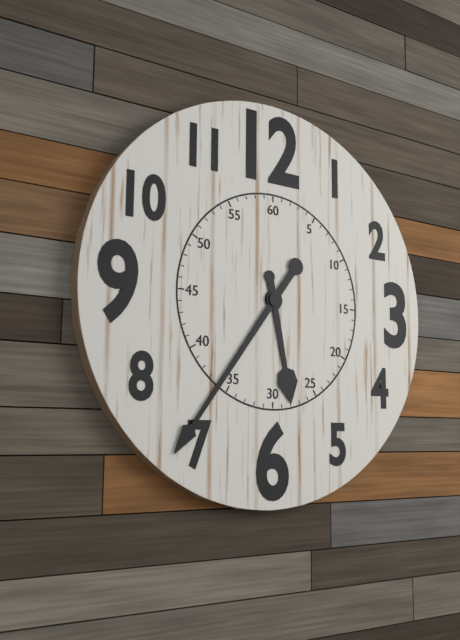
5:36
